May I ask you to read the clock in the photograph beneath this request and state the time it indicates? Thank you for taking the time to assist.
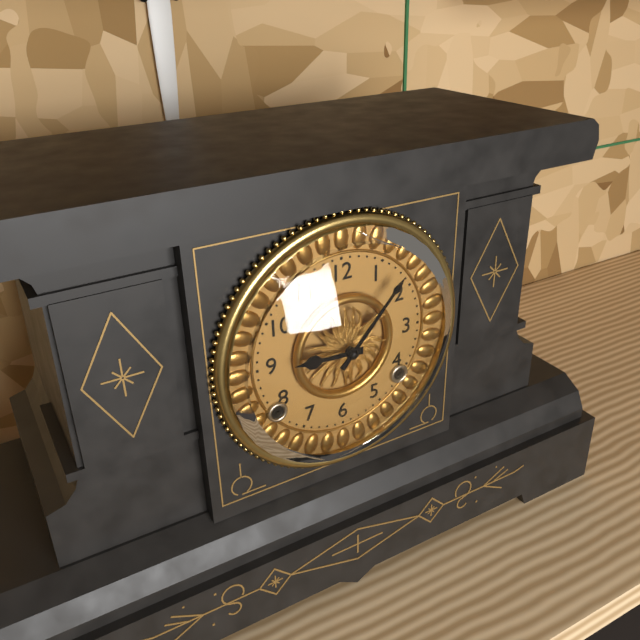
9:07
